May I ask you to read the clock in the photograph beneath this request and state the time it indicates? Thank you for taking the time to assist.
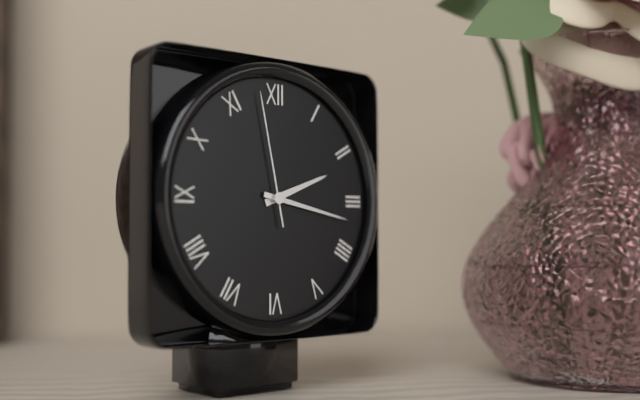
2:17:58
